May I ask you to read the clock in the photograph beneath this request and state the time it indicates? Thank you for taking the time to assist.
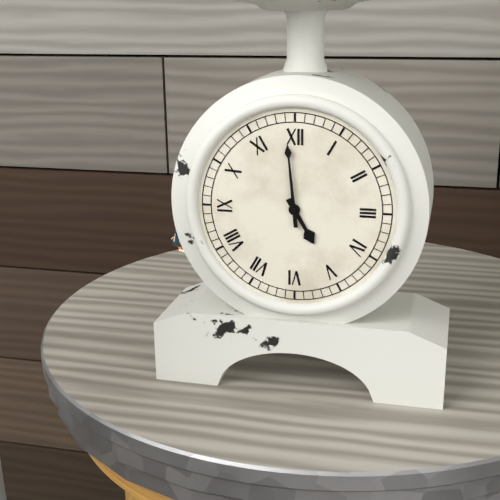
4:59
